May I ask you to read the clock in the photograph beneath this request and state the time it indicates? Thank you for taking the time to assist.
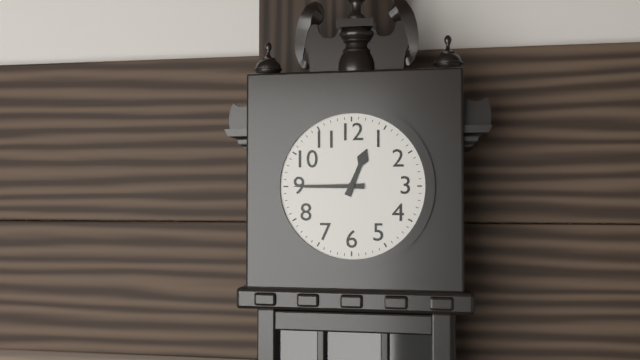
12:45
